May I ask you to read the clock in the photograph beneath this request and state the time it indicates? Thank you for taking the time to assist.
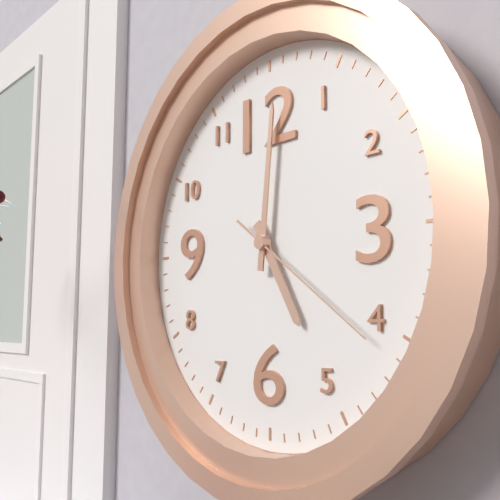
5:01:21
